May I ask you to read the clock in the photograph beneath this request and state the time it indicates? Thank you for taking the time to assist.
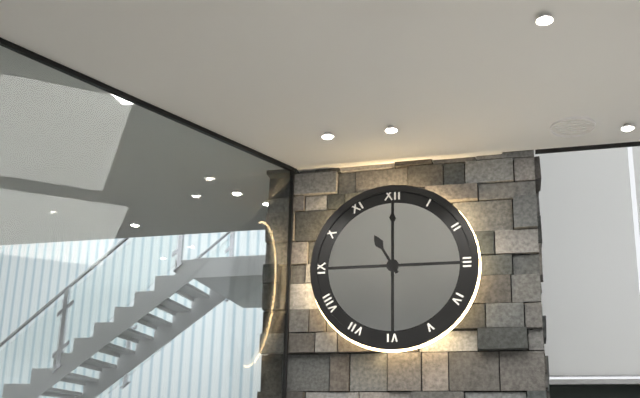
11:00
